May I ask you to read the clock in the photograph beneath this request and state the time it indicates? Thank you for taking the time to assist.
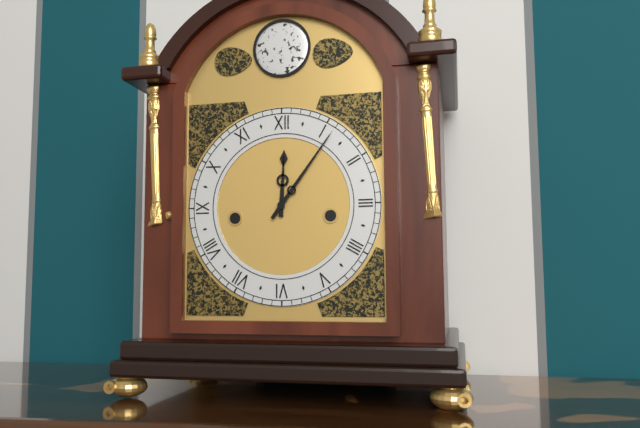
12:06
